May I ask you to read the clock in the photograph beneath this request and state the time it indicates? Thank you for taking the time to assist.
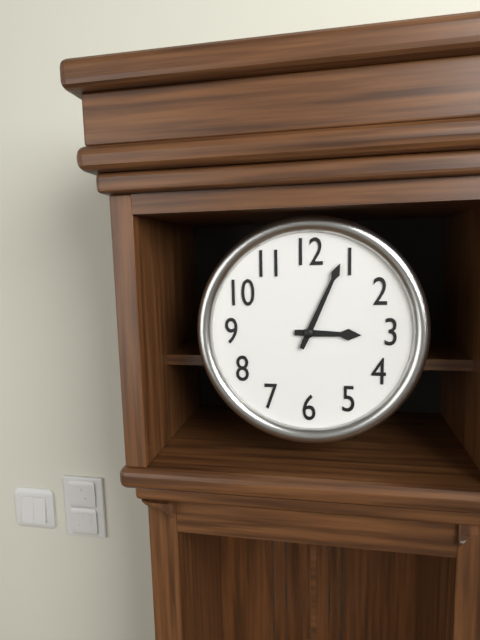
3:04
